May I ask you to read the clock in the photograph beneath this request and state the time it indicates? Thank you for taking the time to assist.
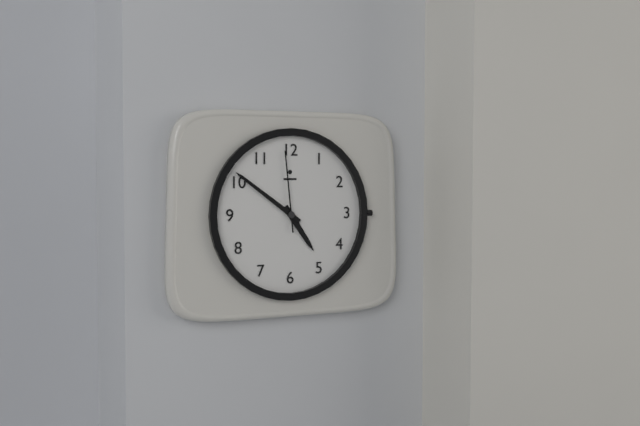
4:51:59
